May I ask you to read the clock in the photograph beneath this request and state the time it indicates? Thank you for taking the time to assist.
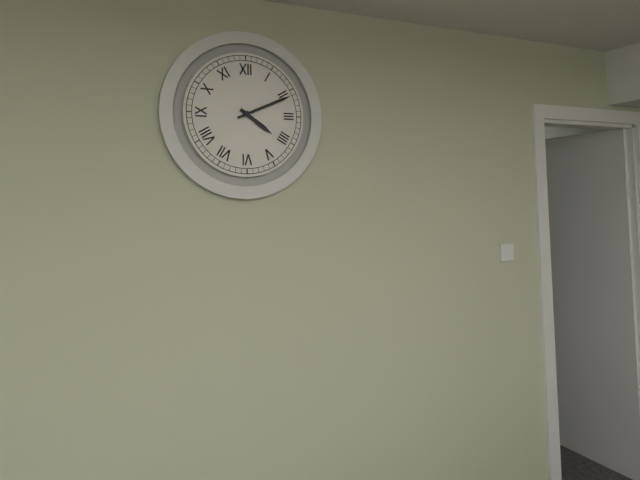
4:11
